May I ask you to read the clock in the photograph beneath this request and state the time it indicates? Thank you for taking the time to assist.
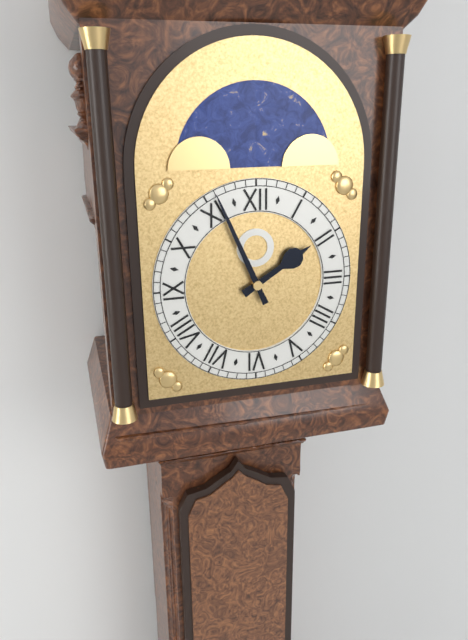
1:56
